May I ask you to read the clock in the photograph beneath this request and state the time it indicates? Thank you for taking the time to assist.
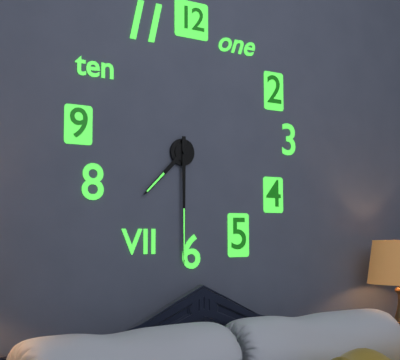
7:30
